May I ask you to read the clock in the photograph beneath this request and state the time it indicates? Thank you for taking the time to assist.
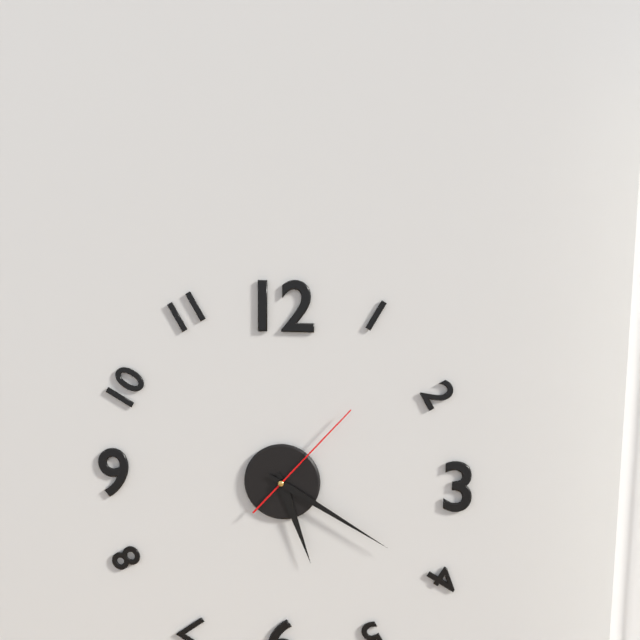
5:20:07
